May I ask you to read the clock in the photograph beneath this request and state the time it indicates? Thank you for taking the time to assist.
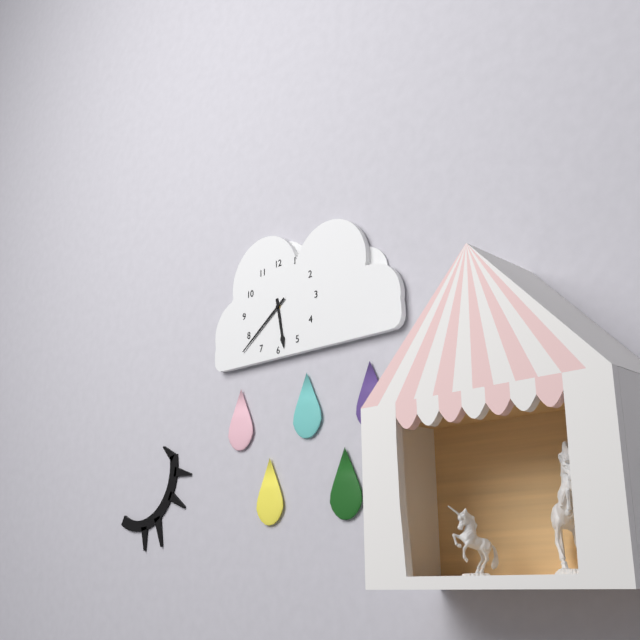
5:39
